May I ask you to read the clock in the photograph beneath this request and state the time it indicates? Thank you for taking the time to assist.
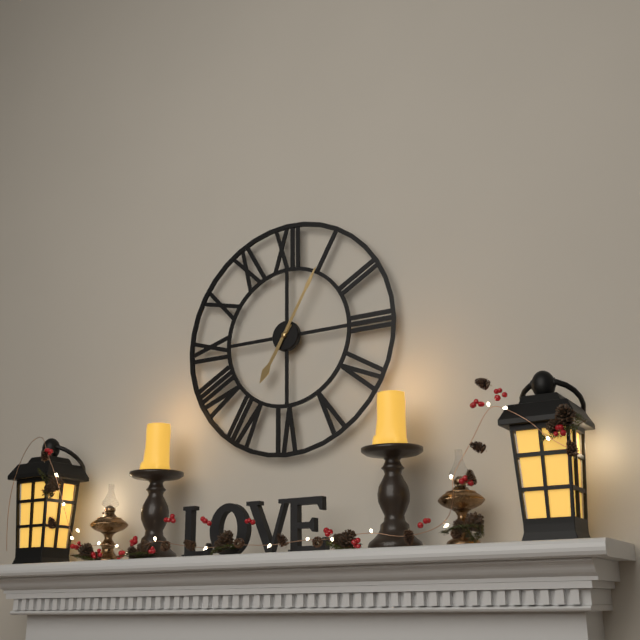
7:05
